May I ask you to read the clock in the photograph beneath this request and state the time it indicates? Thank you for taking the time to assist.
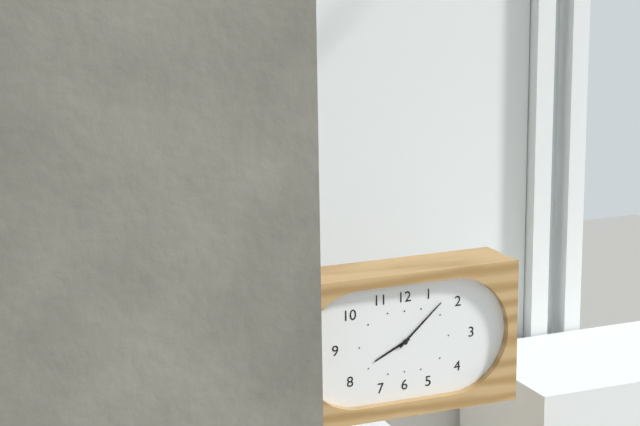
8:08
